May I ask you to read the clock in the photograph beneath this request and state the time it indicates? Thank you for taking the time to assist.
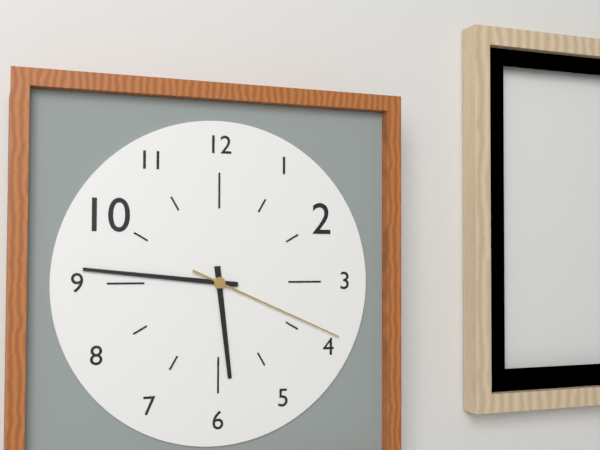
5:46:19
